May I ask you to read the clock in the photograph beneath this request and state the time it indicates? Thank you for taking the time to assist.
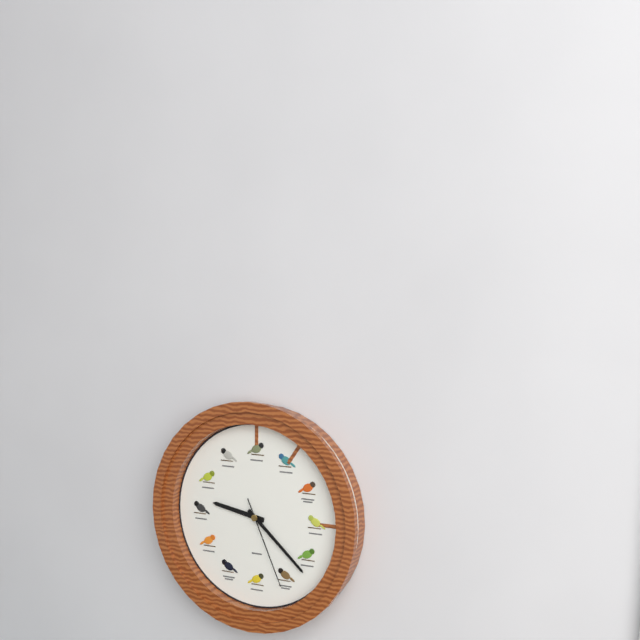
9:22:26
